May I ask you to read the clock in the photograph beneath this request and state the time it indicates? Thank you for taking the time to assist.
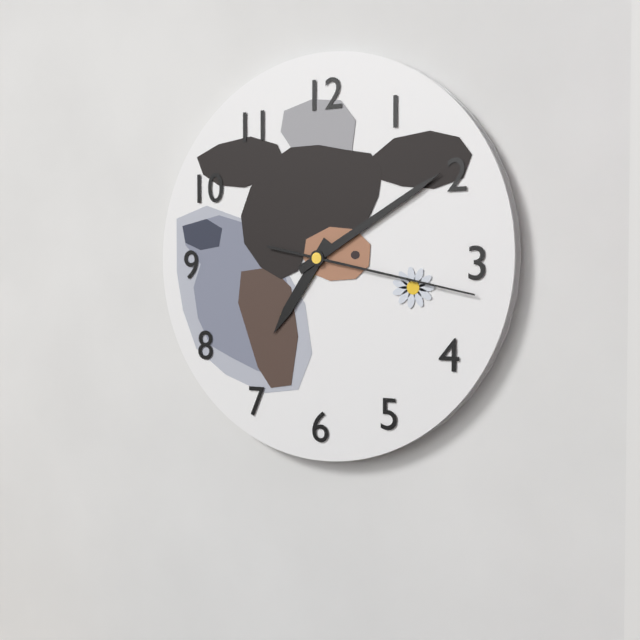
7:10:17
